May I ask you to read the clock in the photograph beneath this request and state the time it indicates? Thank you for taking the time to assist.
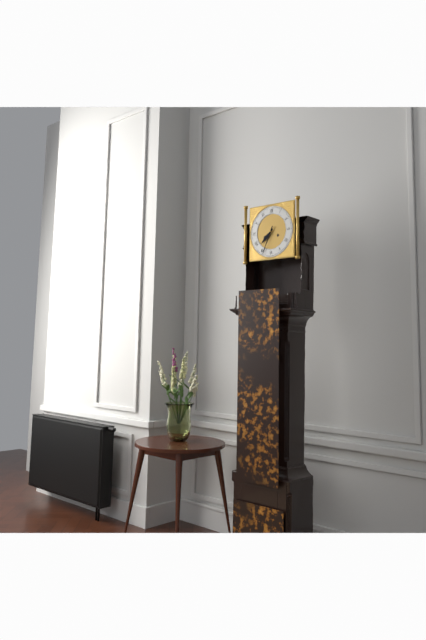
7:34
